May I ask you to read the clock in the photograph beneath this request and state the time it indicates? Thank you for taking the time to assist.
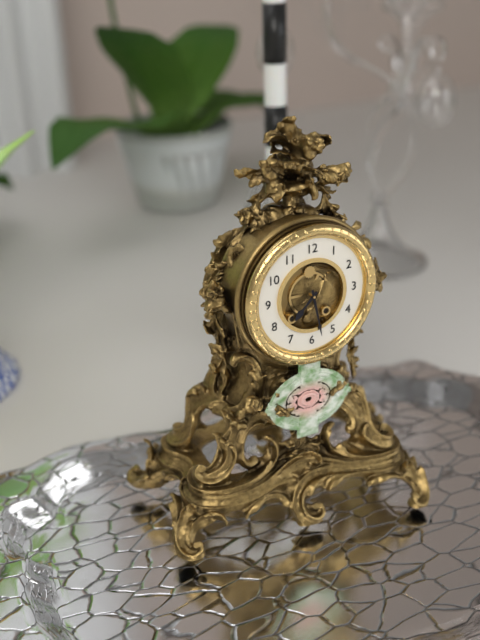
7:28
